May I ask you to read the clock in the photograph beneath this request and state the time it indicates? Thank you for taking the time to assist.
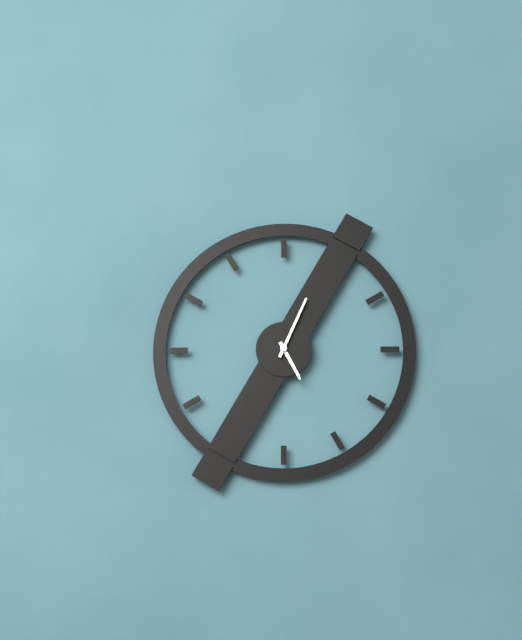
5:04
